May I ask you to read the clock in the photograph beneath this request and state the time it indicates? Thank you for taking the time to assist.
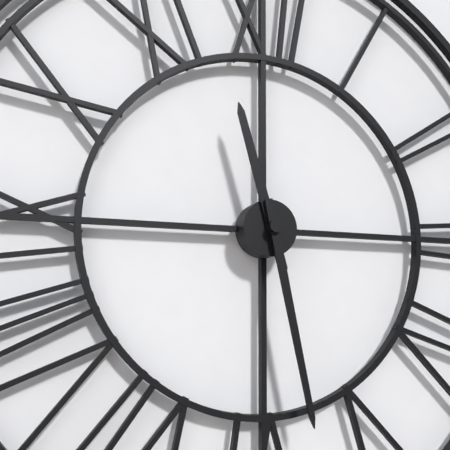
11:28
